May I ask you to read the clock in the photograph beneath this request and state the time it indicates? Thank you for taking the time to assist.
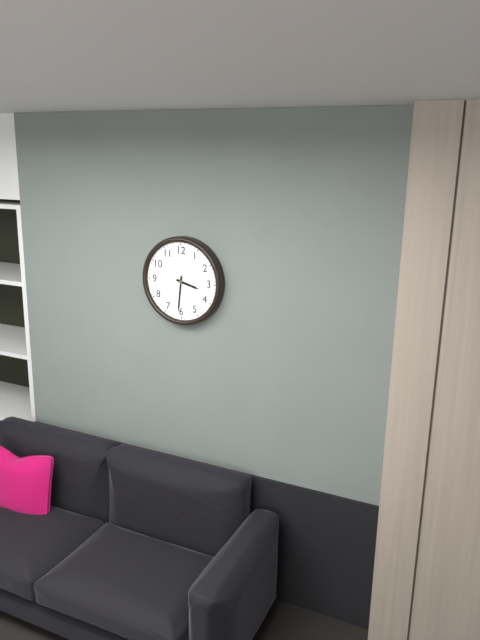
3:31
